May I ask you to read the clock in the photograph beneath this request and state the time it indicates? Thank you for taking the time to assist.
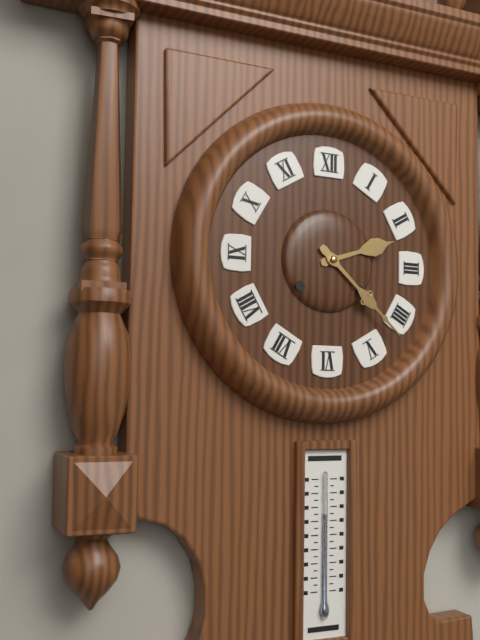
2:22
